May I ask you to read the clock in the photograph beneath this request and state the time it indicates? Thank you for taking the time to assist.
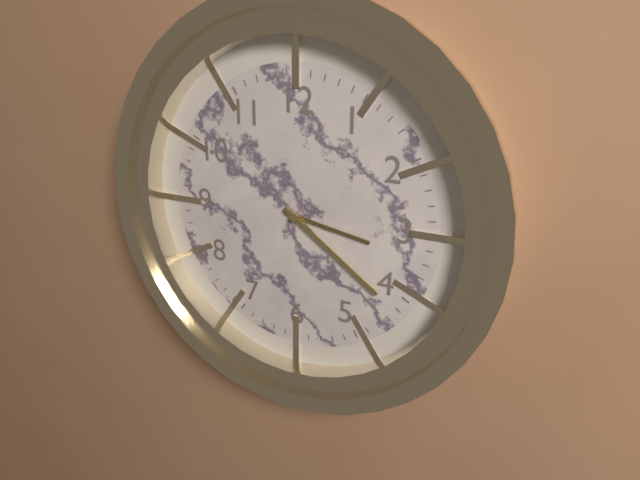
3:21
